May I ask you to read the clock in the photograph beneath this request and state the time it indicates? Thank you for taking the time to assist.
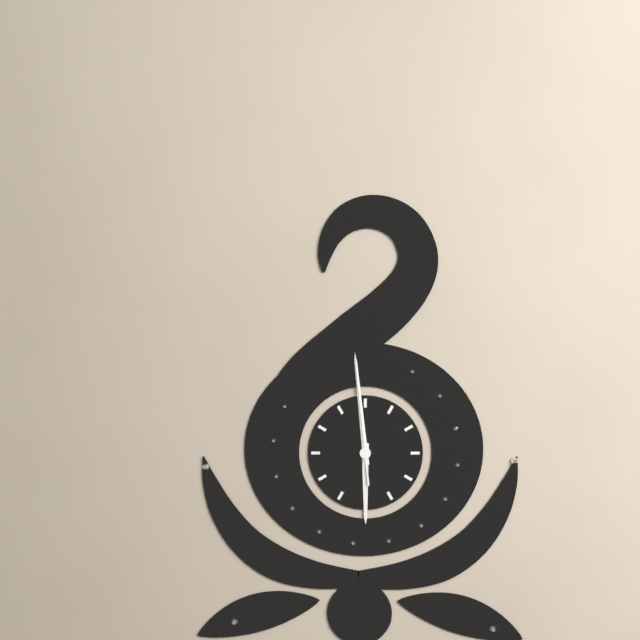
5:59:59
